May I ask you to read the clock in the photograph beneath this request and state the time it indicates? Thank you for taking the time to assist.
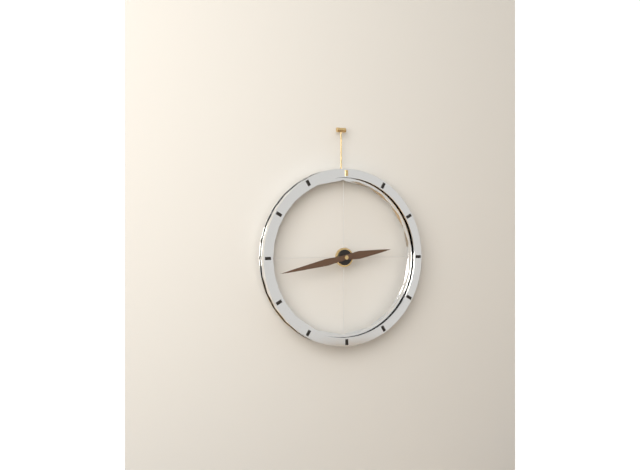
2:43
